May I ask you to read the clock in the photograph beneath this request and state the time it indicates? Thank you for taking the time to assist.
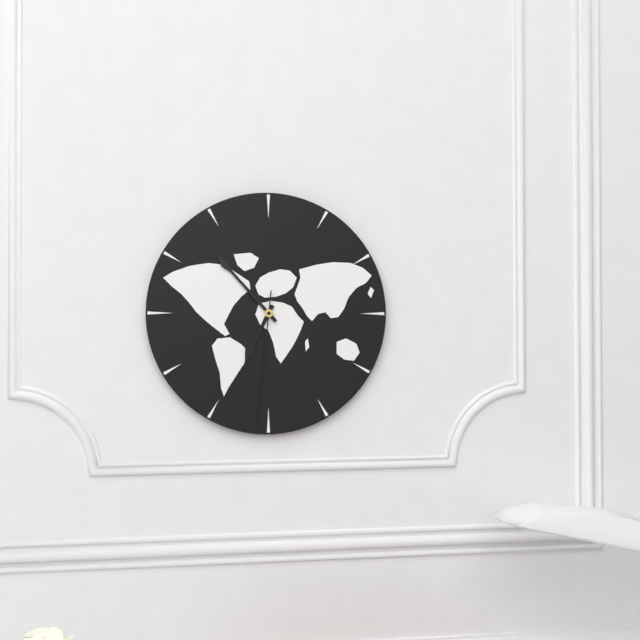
6:53:31
